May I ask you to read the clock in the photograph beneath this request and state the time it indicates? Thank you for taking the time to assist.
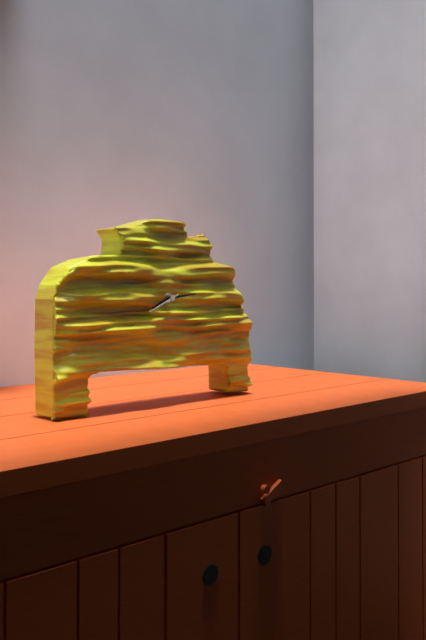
8:14
